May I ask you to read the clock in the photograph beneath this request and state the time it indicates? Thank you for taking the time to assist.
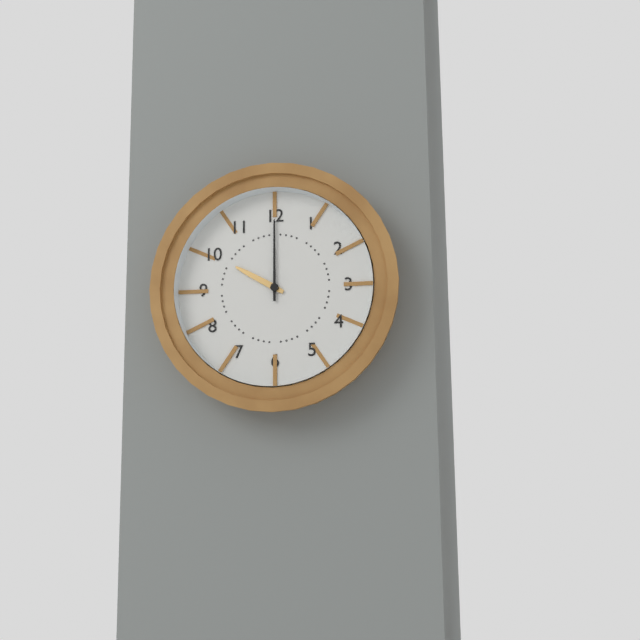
10:00
